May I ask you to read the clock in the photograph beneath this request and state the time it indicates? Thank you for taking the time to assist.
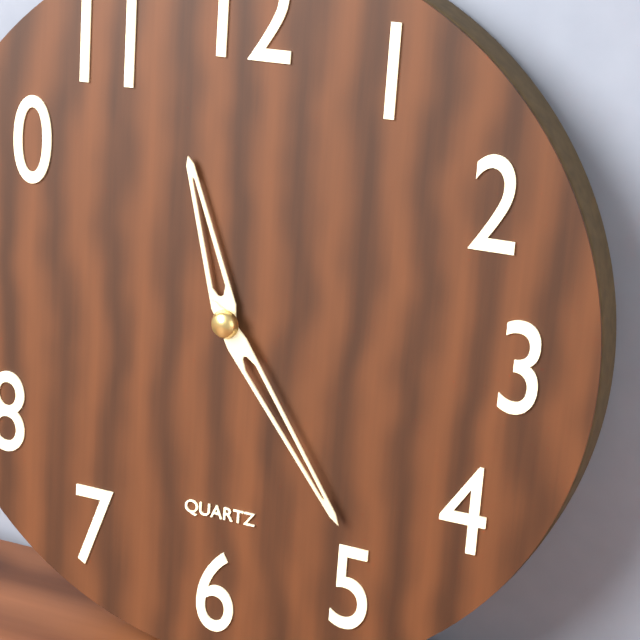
11:24
